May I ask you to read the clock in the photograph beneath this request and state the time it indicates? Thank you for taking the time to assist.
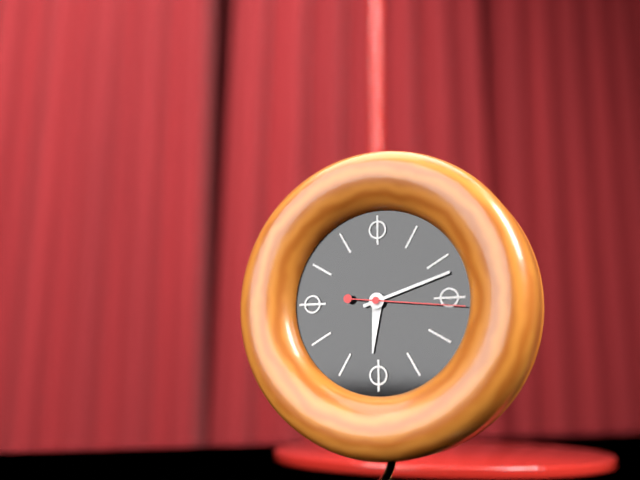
6:12:16
